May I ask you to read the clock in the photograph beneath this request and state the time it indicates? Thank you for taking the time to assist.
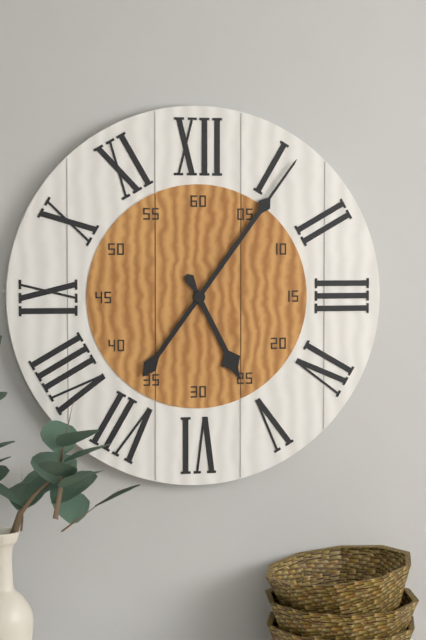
5:06
